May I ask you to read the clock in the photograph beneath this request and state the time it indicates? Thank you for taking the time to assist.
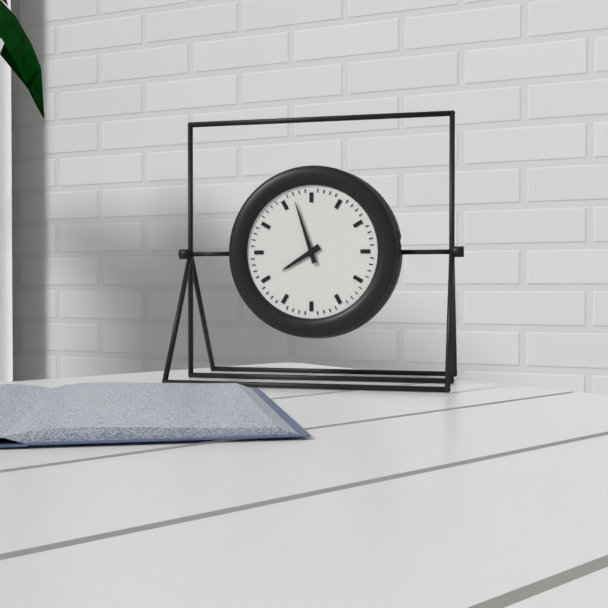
7:57
